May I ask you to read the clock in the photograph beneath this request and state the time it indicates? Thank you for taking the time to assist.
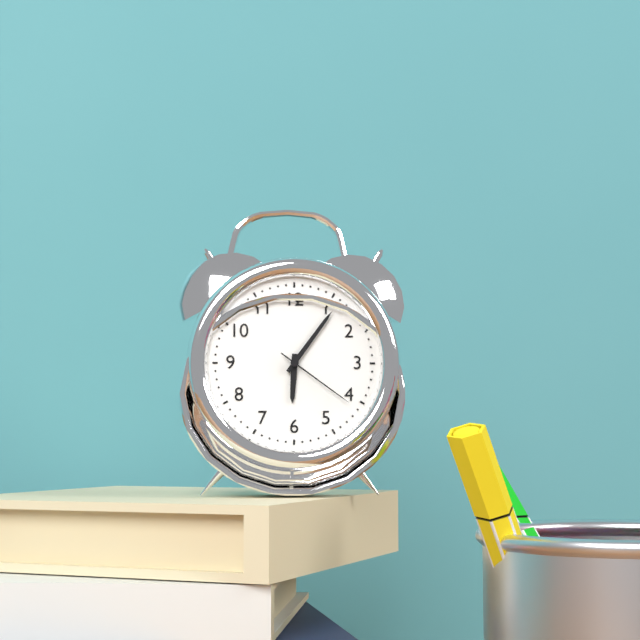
6:06:21
